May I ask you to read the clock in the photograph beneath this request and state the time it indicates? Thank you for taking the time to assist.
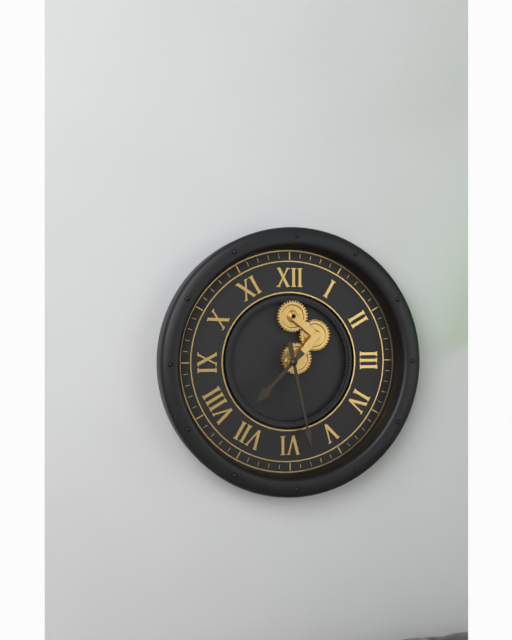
7:28
